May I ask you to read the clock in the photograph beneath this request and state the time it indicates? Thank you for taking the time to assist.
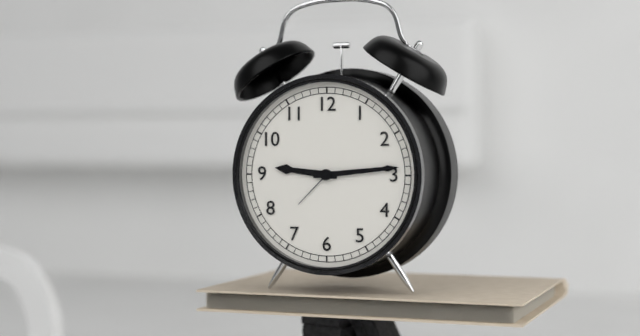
9:14
